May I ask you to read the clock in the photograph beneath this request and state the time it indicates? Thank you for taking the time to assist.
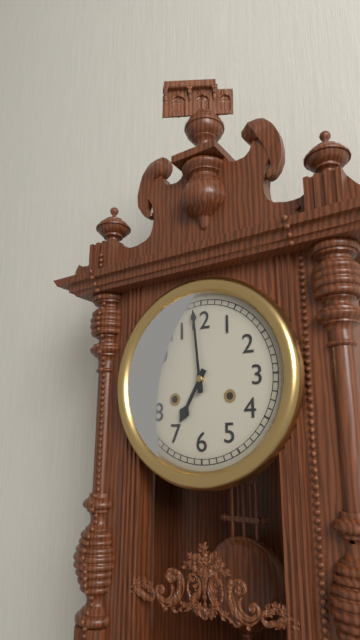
6:59
